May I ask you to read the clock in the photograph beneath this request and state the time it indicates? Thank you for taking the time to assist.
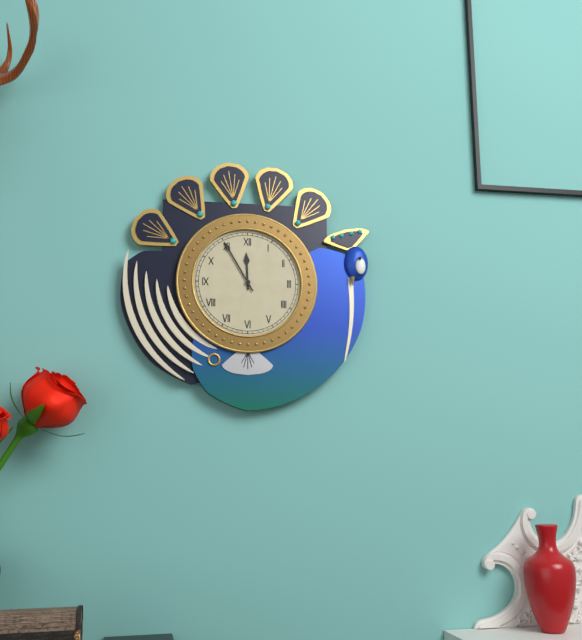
11:55
